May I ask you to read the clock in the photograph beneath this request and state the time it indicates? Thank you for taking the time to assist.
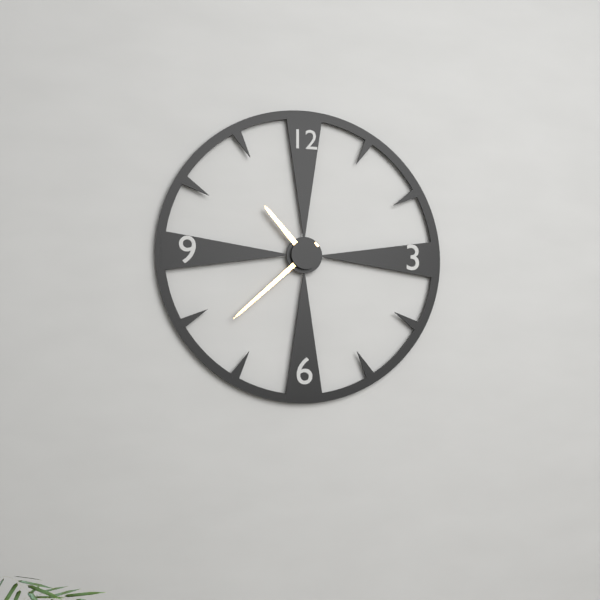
10:38
